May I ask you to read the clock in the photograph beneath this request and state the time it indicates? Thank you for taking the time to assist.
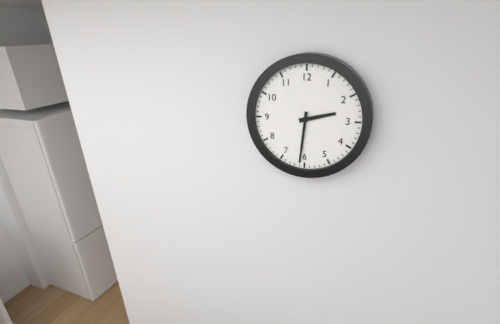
2:31
